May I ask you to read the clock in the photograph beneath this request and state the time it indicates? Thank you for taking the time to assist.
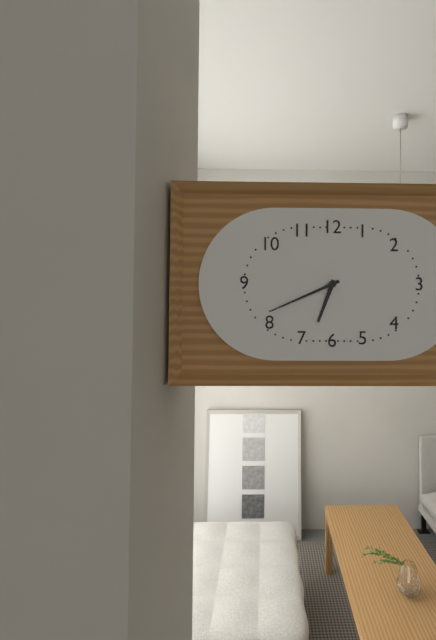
6:41
